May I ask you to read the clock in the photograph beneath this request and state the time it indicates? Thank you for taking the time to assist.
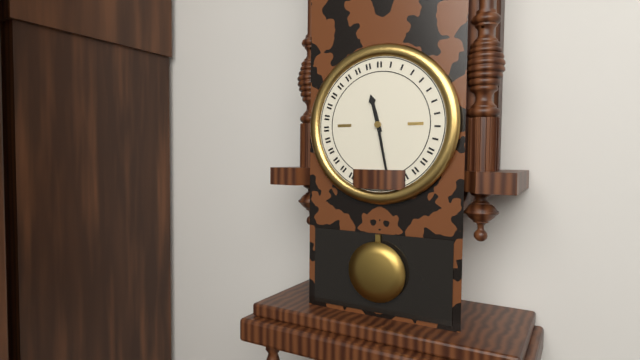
11:28
